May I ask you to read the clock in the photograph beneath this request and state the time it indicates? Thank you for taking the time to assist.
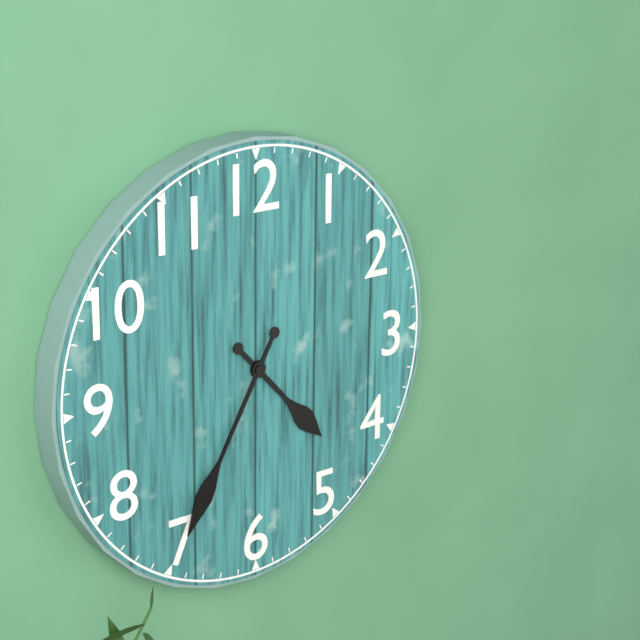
4:35
